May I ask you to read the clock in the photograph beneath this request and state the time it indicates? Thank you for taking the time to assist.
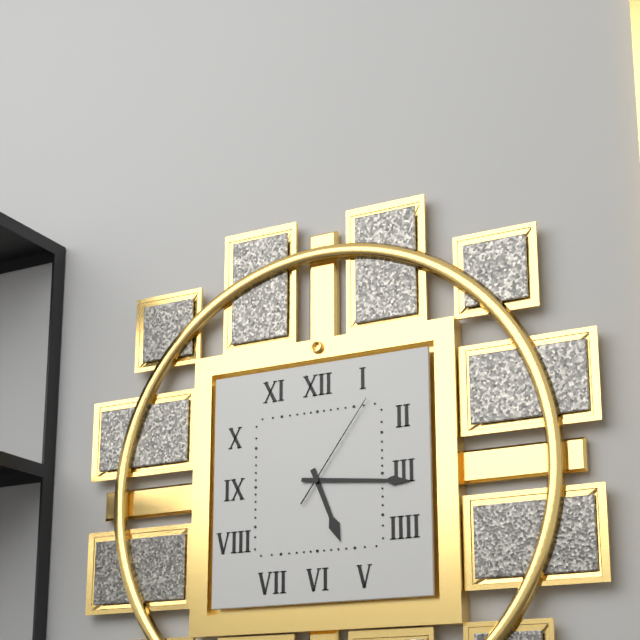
5:16:06
